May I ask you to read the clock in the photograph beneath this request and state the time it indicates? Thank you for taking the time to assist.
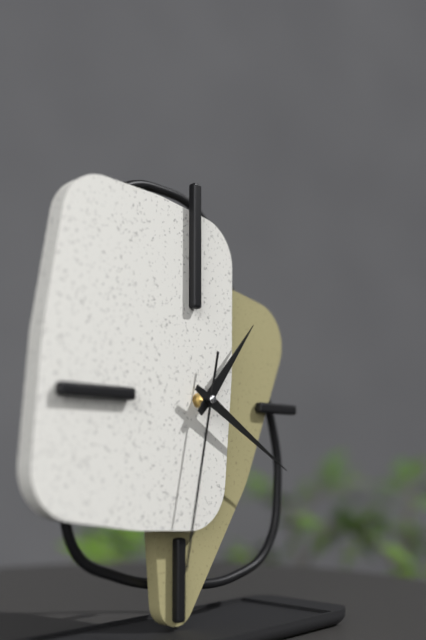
1:20:32
